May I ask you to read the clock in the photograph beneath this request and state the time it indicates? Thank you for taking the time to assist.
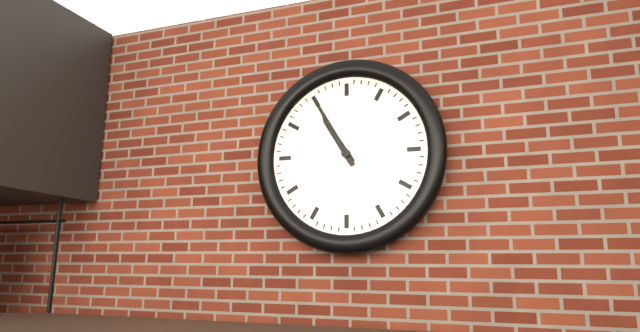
10:55
